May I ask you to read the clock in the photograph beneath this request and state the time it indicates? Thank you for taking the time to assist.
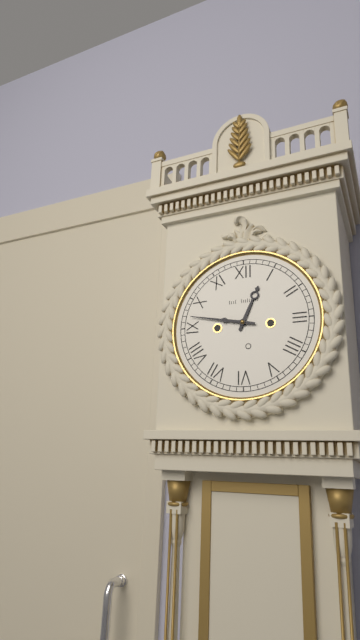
12:47
